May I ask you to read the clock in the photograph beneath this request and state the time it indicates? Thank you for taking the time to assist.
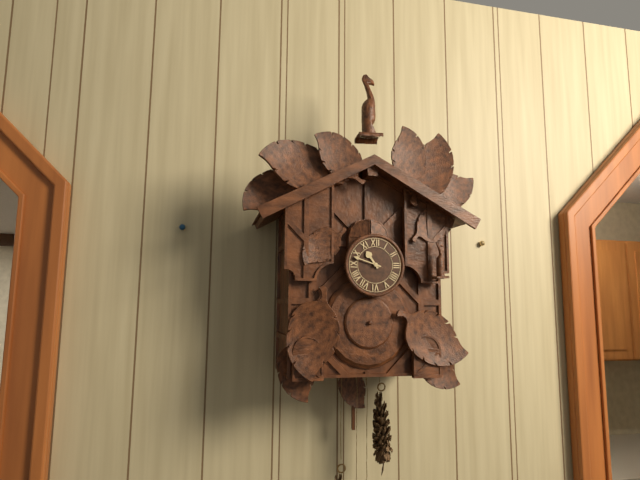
10:48
